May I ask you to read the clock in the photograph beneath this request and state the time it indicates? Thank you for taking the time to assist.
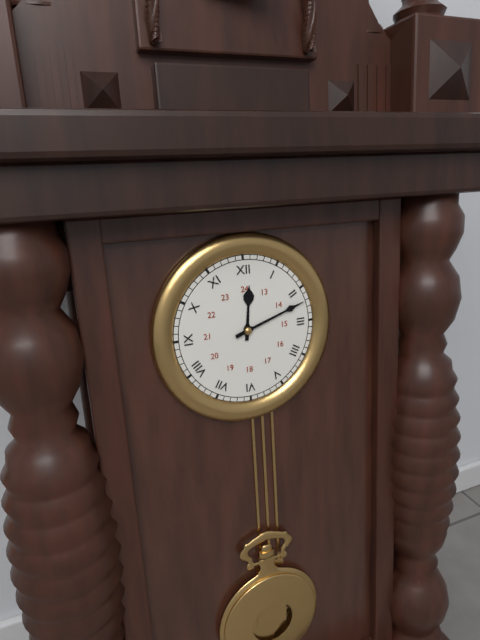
12:12
